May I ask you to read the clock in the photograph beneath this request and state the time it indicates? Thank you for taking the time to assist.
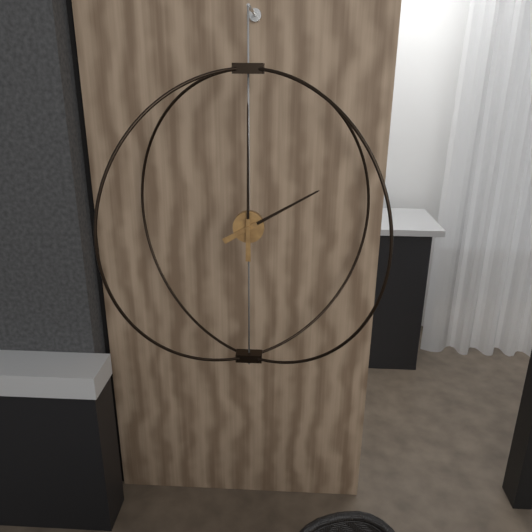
2:00
